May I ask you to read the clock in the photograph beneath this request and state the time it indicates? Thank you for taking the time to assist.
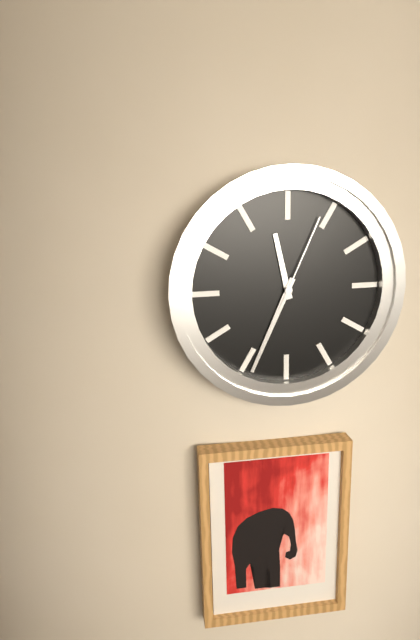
11:34:04
